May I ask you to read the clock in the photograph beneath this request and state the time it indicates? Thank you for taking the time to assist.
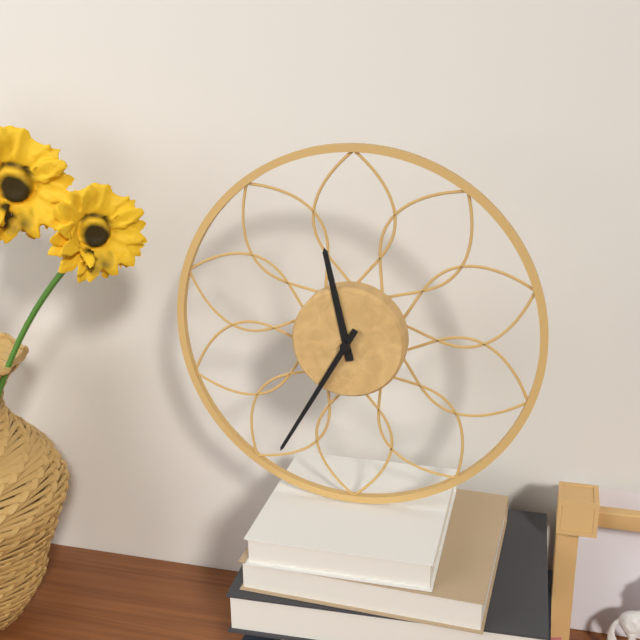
11:35
